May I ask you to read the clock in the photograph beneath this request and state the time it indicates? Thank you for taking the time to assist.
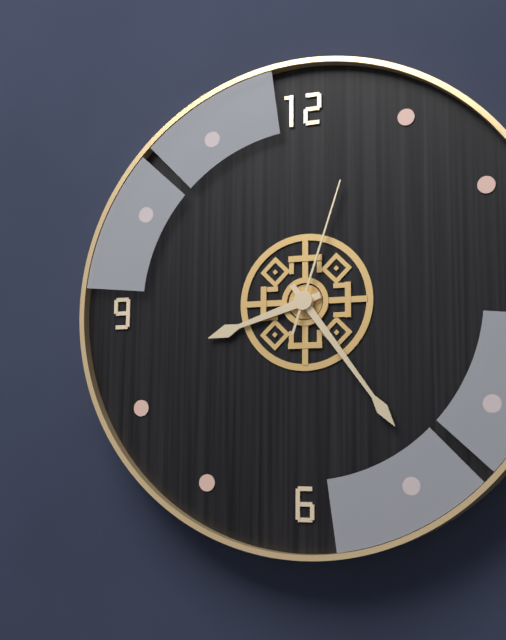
8:24:03
